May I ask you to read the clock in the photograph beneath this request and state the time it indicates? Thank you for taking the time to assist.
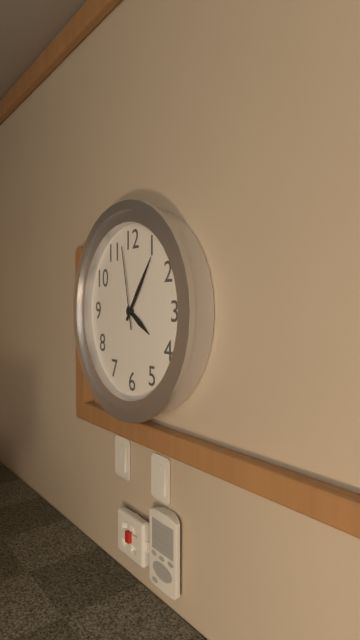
4:06:58
